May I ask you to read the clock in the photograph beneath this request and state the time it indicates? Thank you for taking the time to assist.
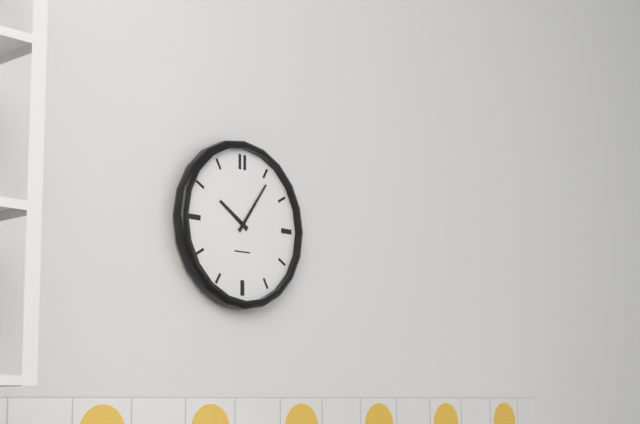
10:06
